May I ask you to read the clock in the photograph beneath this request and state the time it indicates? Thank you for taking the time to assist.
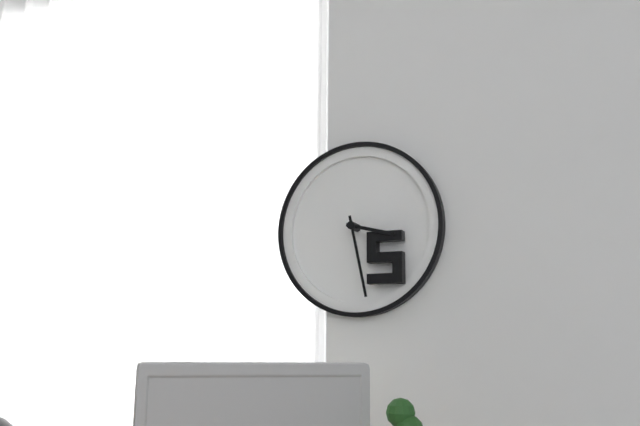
3:28
